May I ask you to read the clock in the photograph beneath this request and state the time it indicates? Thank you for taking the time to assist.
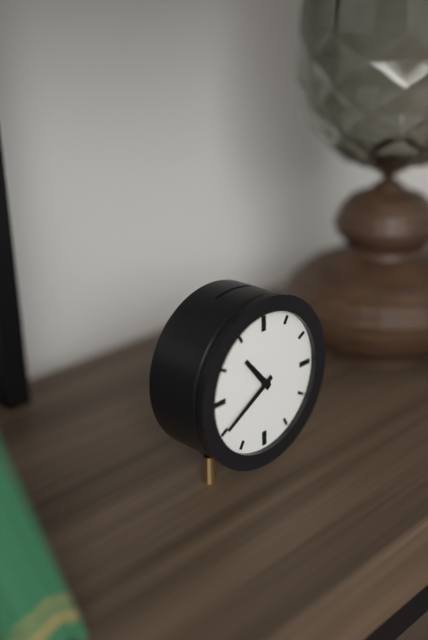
10:40
